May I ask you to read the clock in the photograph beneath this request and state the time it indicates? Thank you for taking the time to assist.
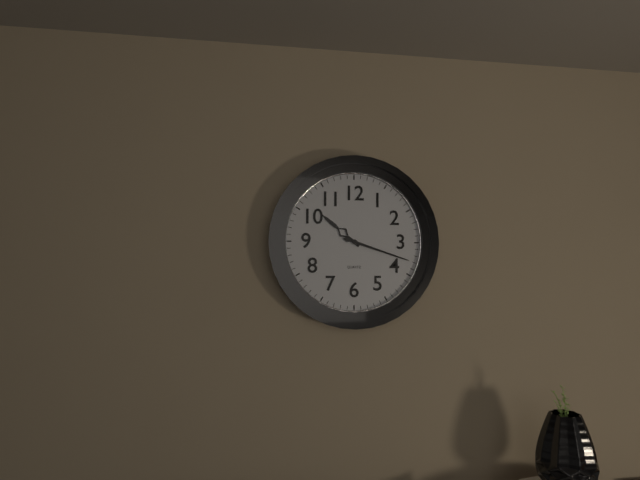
10:18
